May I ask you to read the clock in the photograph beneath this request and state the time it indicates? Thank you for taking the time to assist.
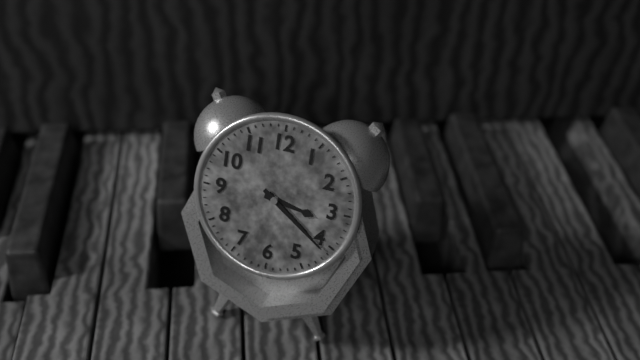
3:21
